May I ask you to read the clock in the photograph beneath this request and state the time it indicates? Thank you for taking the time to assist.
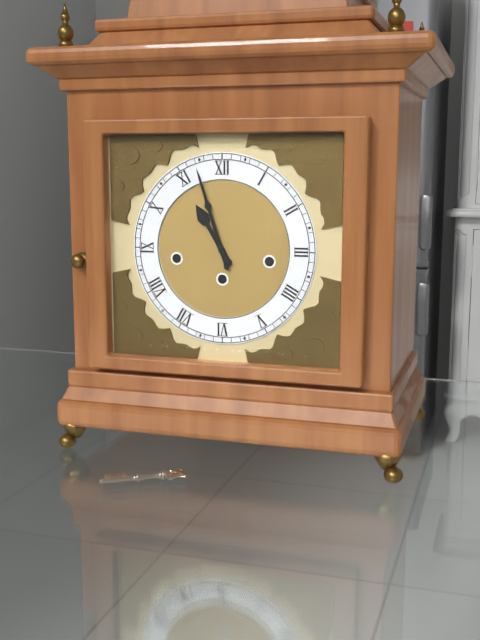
10:57
